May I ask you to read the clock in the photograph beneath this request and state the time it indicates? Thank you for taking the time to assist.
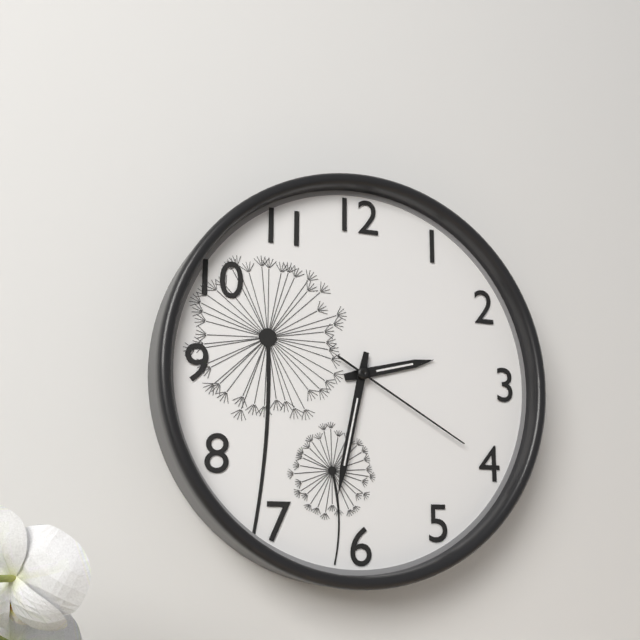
2:32:20
